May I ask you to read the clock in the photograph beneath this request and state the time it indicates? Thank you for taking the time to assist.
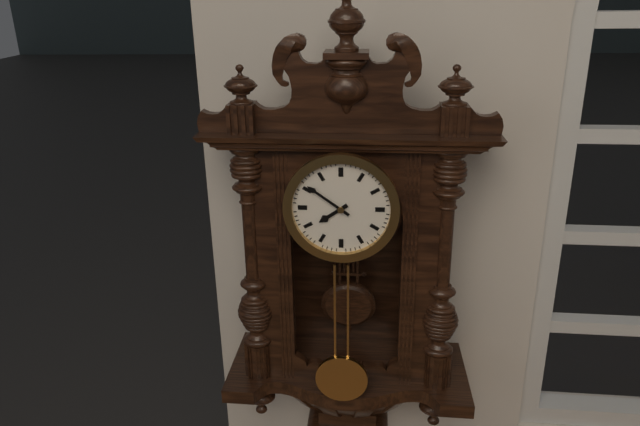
7:51
